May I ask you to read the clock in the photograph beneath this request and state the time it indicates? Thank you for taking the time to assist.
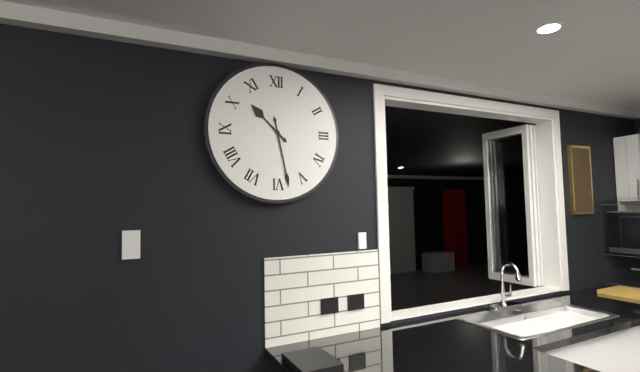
10:28
